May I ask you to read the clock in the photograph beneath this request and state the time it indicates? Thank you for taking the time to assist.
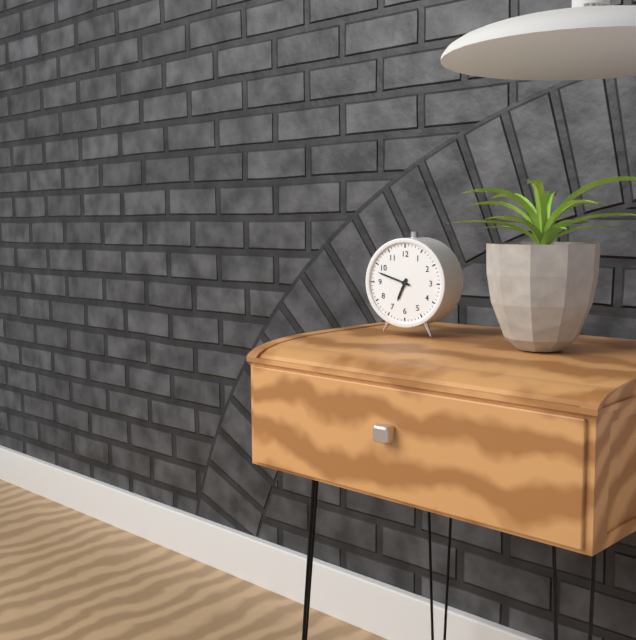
6:48
